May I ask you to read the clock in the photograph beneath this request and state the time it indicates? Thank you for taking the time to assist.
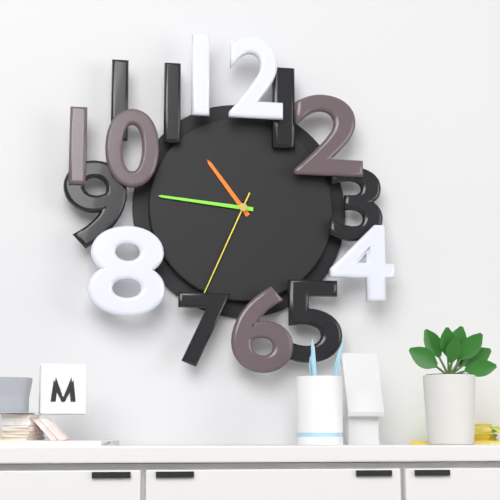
10:46:34
